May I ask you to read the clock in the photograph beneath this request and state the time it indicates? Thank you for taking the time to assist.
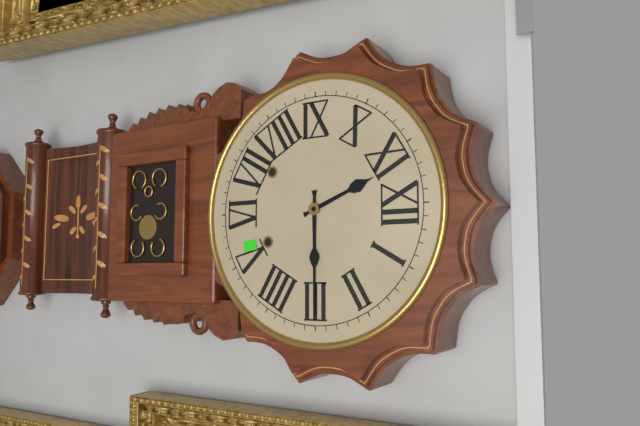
11:15
